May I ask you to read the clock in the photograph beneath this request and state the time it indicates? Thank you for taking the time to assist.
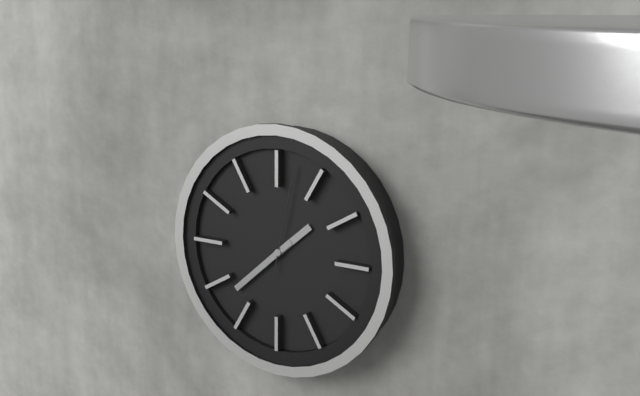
1:38:02
